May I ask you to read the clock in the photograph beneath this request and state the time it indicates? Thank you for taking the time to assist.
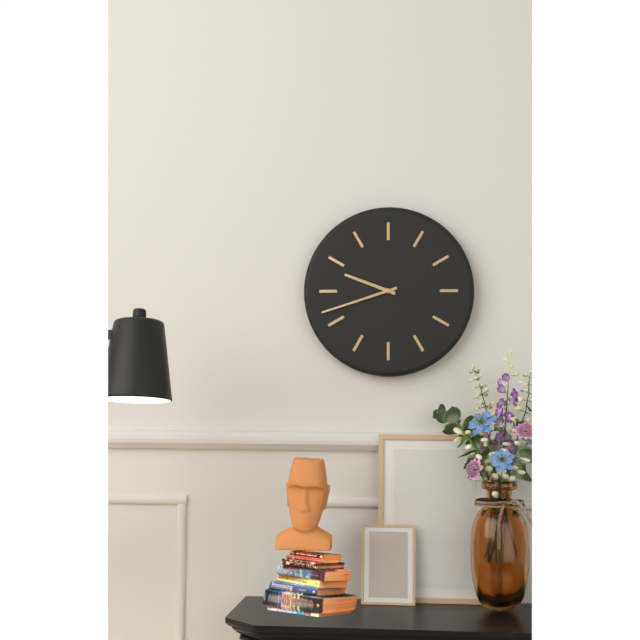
9:42
